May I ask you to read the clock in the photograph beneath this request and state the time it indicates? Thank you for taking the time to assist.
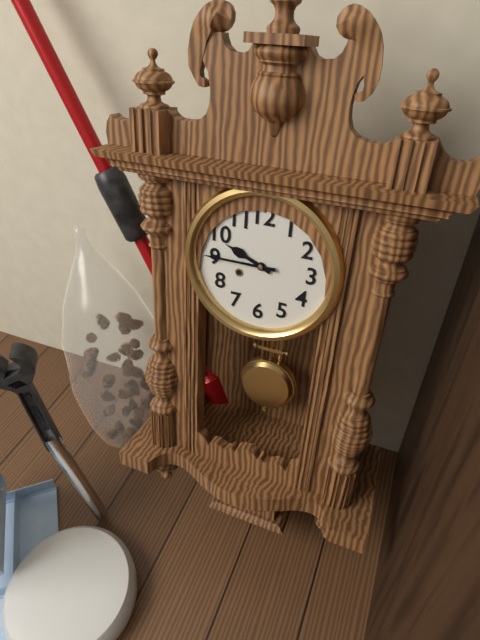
9:45
